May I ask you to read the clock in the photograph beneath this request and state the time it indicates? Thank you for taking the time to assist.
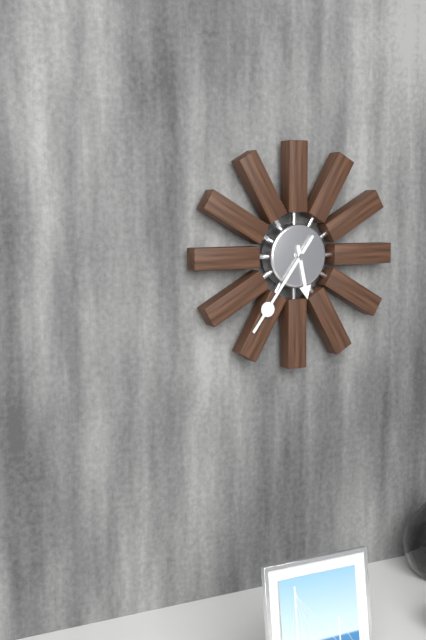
5:36
